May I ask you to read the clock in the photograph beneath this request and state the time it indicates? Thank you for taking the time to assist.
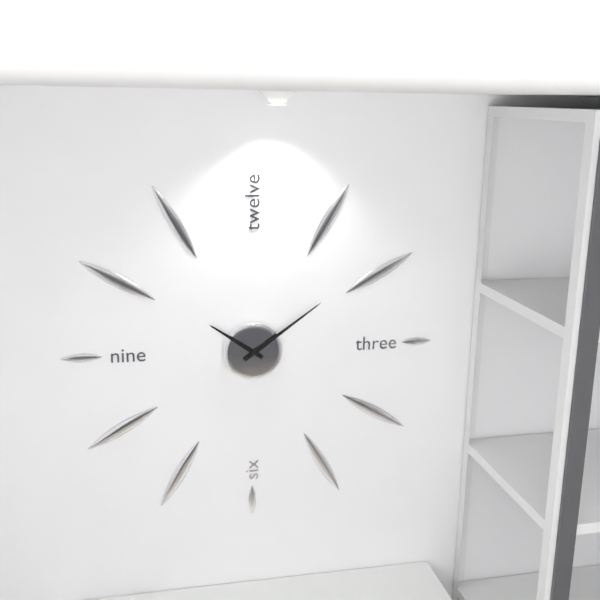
10:09
